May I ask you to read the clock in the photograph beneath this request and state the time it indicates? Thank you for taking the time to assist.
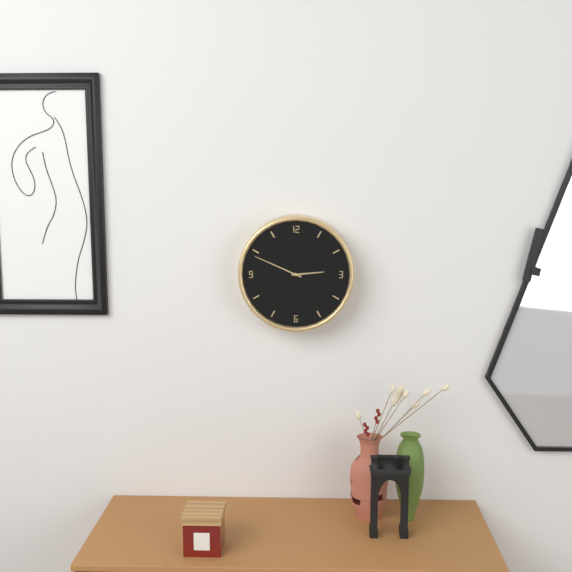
2:49
